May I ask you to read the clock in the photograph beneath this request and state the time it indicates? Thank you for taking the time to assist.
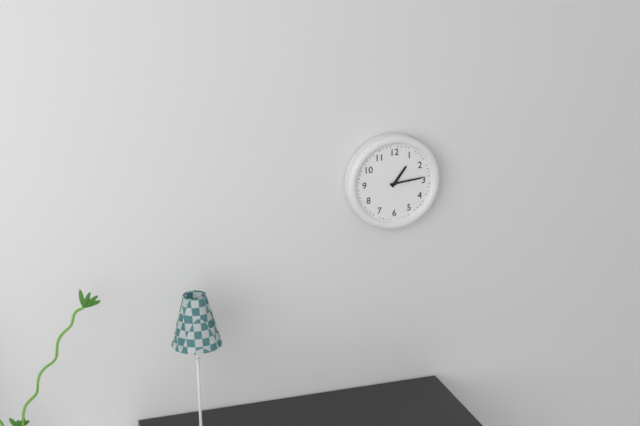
1:14
